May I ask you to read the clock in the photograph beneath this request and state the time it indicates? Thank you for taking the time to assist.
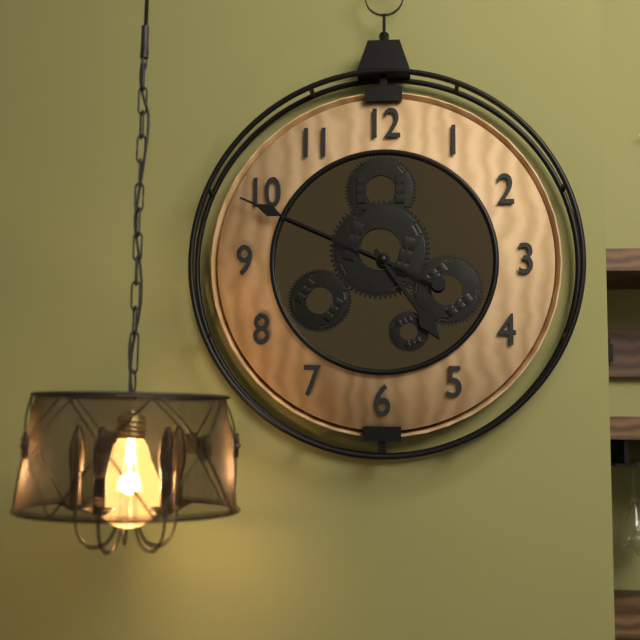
4:49
